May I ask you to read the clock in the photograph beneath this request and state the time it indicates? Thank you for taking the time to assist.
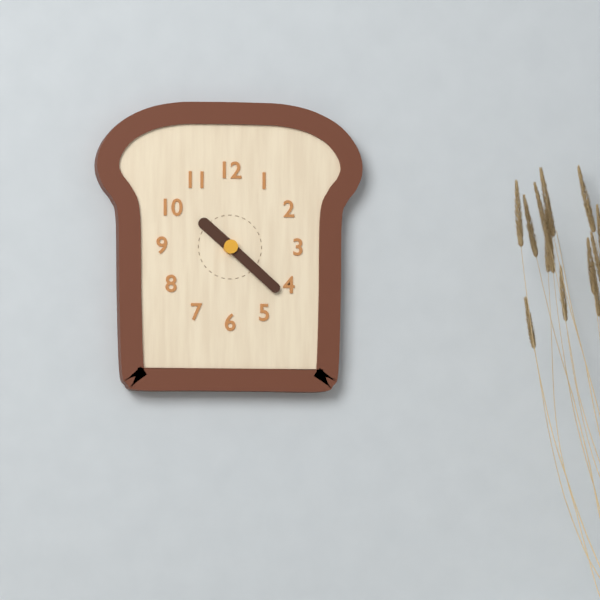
10:22
